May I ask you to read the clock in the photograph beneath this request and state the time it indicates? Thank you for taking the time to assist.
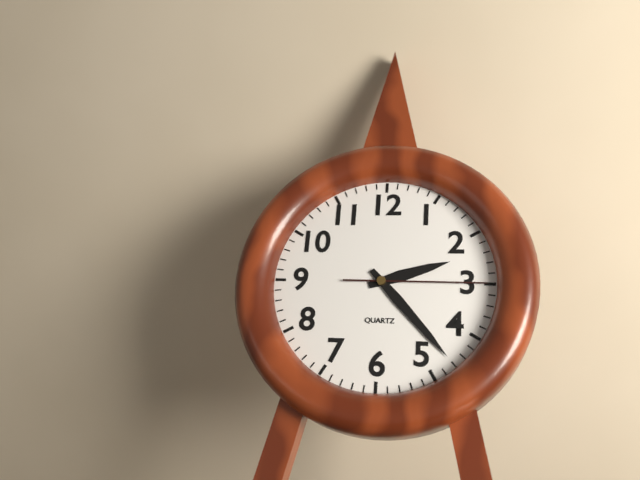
2:23:15
